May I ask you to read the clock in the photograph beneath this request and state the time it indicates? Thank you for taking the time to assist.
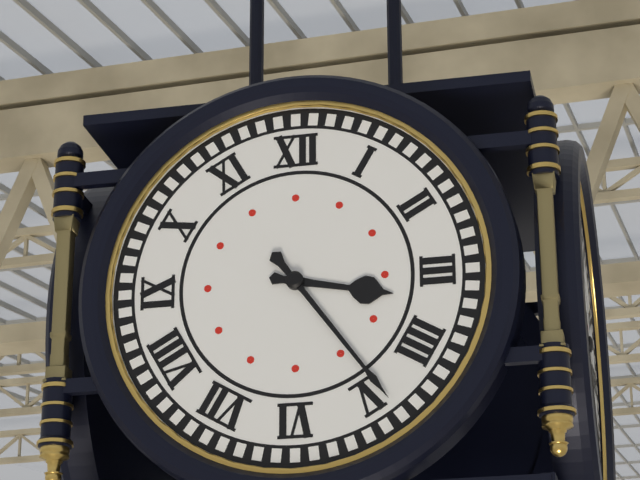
3:24
